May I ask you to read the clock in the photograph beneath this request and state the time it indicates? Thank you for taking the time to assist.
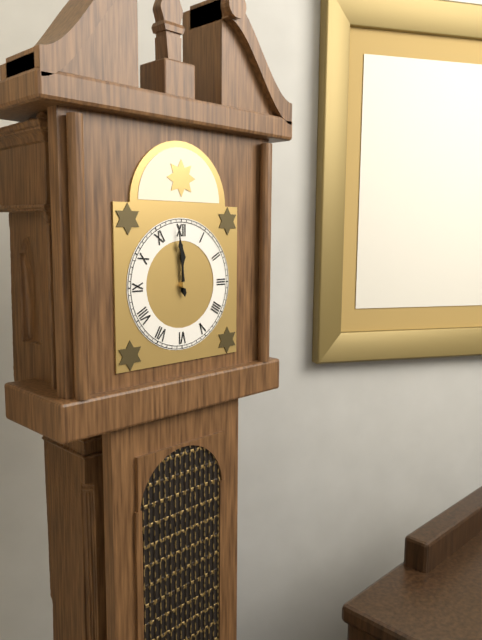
11:59
